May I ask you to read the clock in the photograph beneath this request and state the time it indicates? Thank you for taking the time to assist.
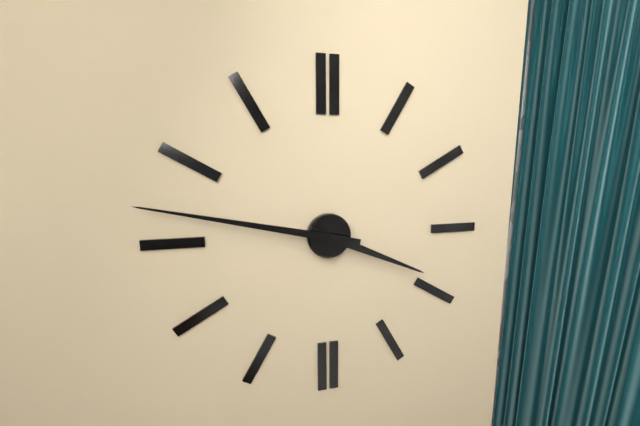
3:47
